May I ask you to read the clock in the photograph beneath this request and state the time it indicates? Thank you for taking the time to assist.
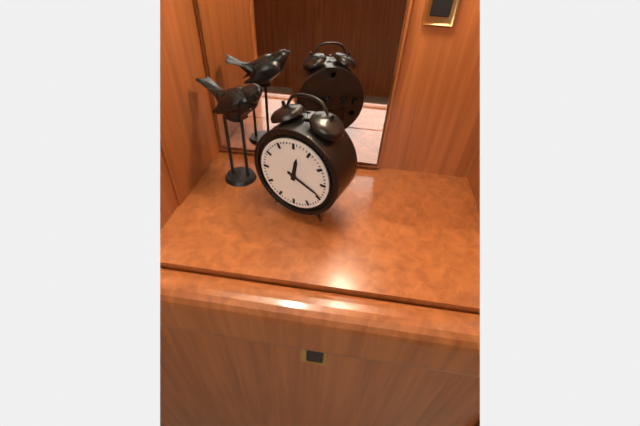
12:19
